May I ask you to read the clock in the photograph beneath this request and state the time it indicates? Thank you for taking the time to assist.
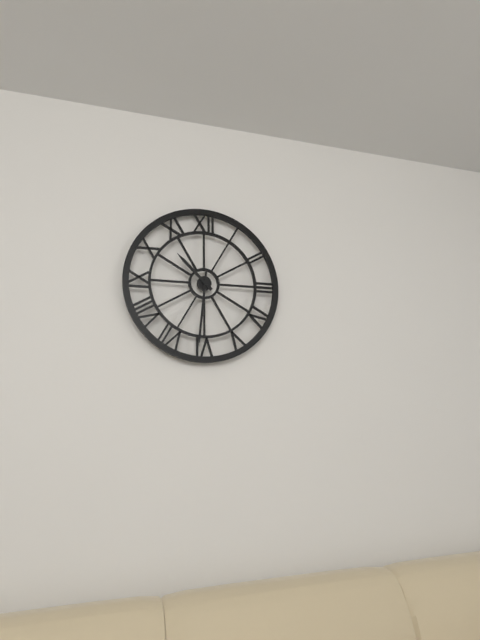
10:31
